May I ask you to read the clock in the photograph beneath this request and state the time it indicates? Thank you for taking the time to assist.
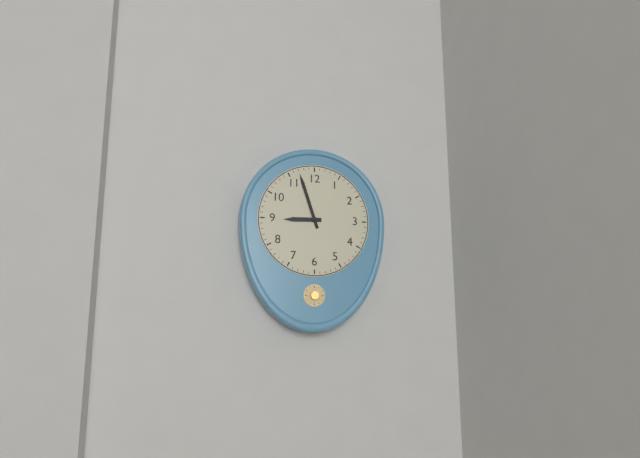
8:57
